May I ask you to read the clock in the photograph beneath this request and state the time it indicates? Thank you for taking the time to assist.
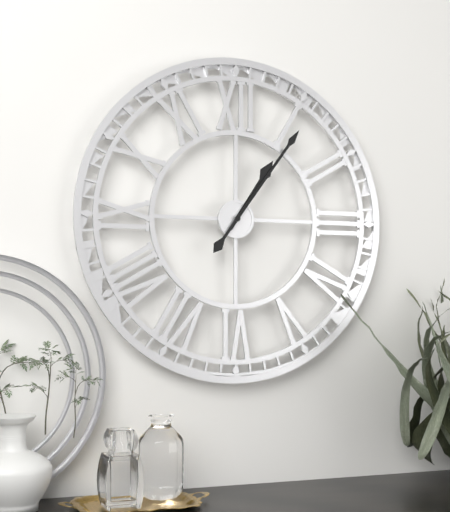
1:06
